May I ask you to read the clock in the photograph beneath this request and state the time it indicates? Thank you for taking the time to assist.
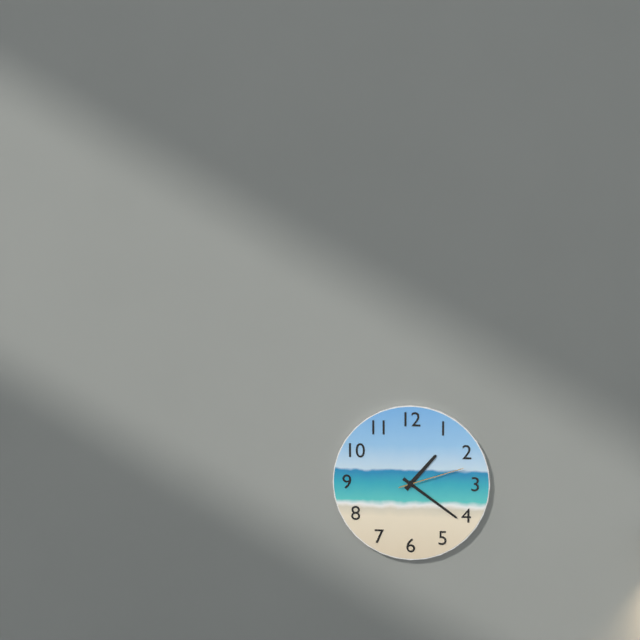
1:21:12
